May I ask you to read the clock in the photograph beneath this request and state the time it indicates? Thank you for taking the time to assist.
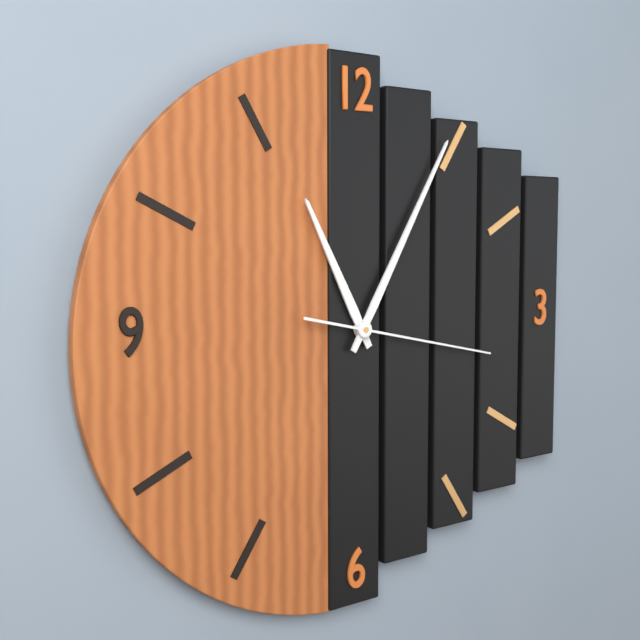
11:05:17
